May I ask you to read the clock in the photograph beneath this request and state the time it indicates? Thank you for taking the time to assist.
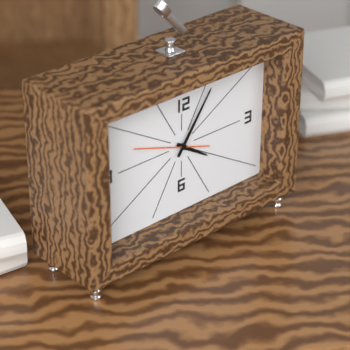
4:06
